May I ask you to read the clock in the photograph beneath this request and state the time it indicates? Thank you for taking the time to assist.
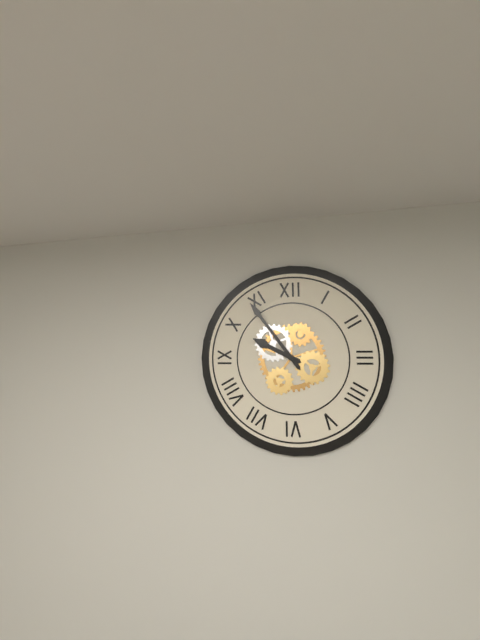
9:54
